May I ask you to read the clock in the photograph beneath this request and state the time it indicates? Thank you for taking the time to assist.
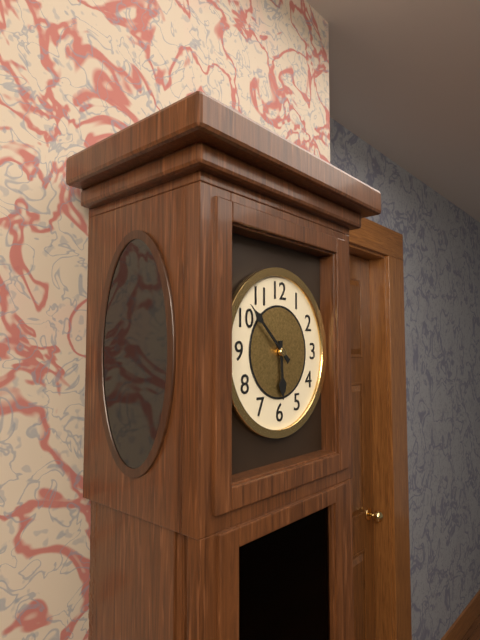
5:52
